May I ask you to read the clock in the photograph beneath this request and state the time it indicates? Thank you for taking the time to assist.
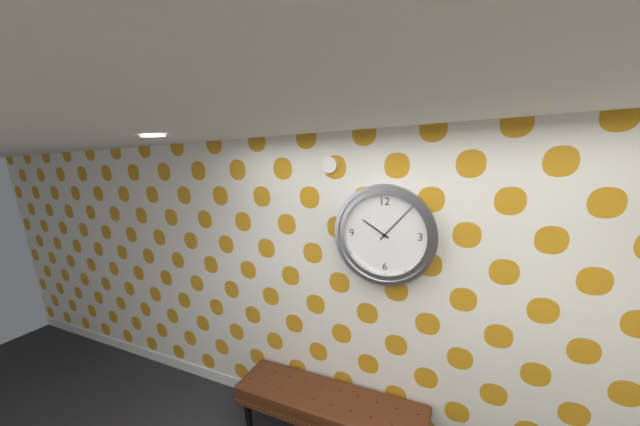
10:07
